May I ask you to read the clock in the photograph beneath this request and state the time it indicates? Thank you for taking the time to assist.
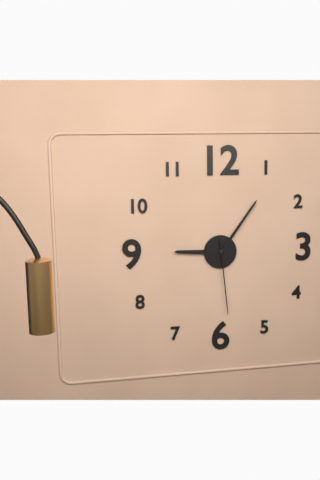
9:06:29
